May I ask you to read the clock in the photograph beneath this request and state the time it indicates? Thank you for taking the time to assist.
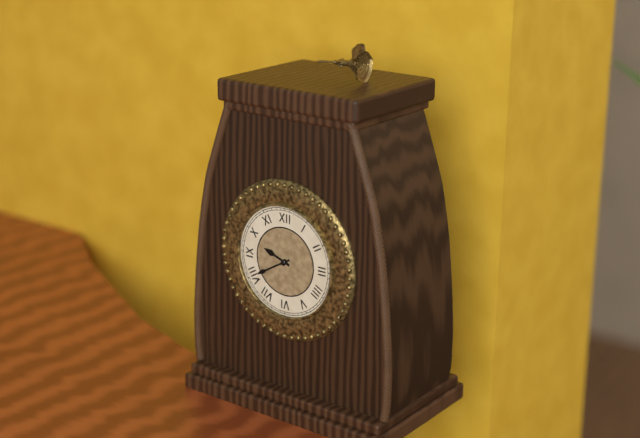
9:40
